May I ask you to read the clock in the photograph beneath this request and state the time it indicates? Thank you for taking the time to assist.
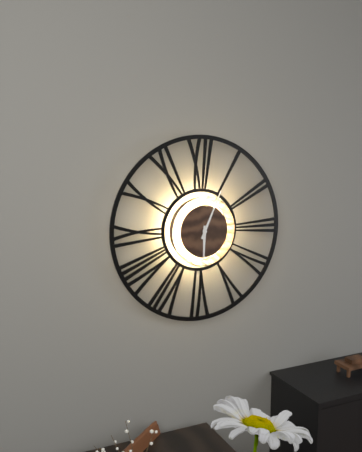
6:04
